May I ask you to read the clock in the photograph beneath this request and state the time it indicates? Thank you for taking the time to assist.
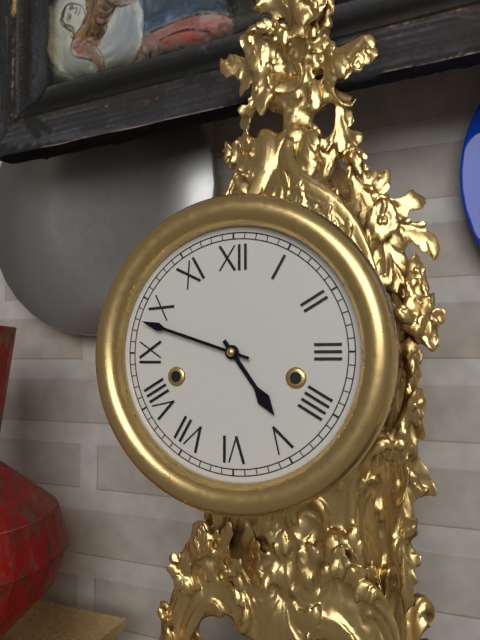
4:48
